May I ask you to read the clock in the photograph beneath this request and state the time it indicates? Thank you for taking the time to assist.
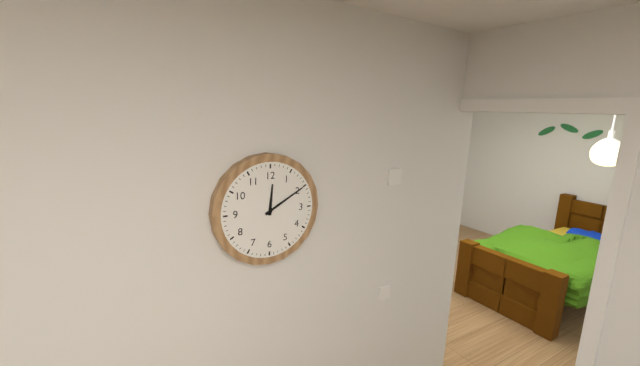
12:10
